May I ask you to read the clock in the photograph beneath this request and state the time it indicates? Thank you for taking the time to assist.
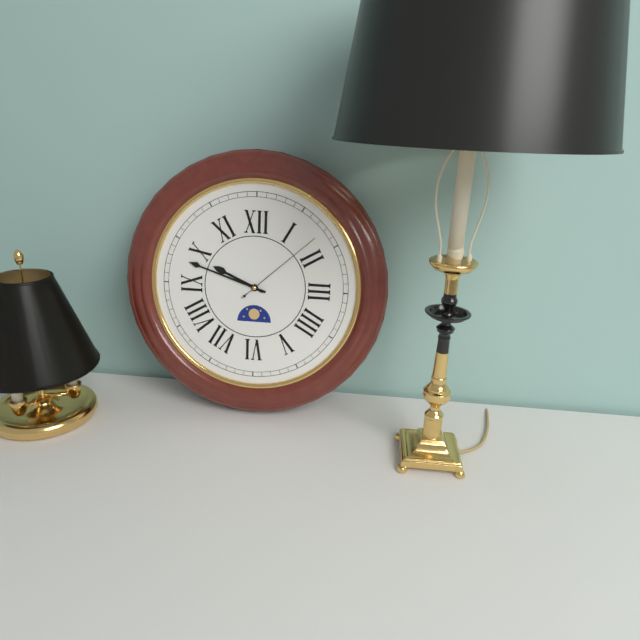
9:48:08
